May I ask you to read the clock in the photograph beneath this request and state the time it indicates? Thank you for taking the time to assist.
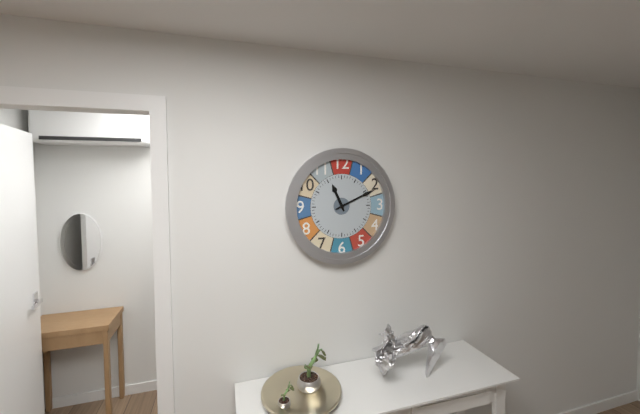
11:11
